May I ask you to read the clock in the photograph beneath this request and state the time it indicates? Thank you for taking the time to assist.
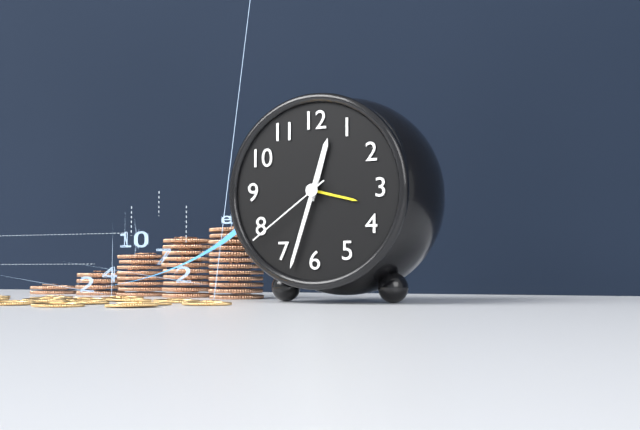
12:33:39
